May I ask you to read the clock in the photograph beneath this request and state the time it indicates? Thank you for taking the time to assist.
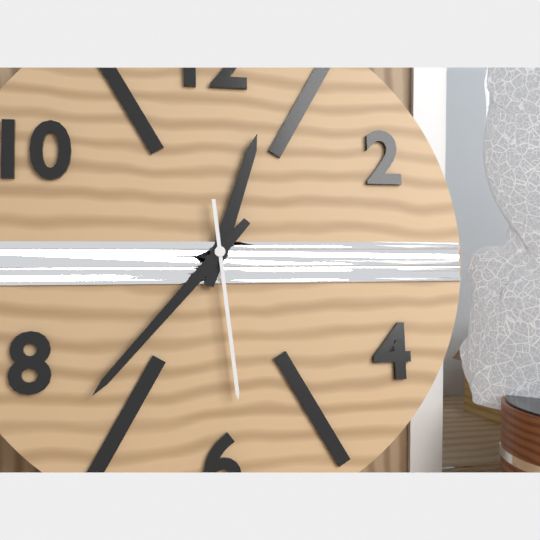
12:37:29
